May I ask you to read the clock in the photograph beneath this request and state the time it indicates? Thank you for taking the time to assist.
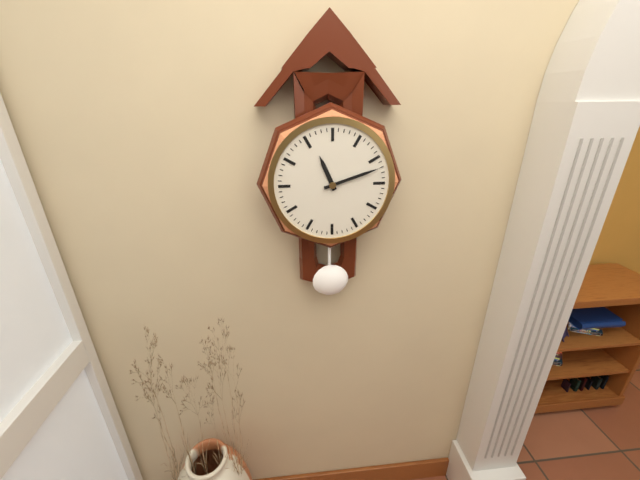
11:12
